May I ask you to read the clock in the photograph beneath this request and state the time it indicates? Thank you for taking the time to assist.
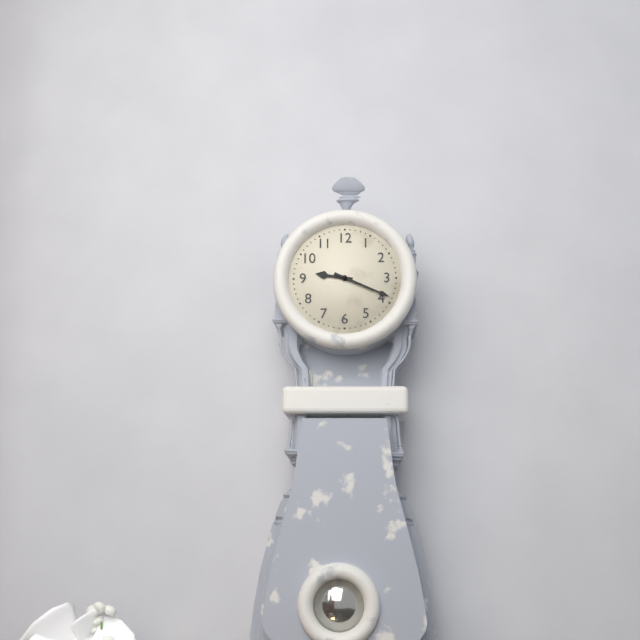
9:19
